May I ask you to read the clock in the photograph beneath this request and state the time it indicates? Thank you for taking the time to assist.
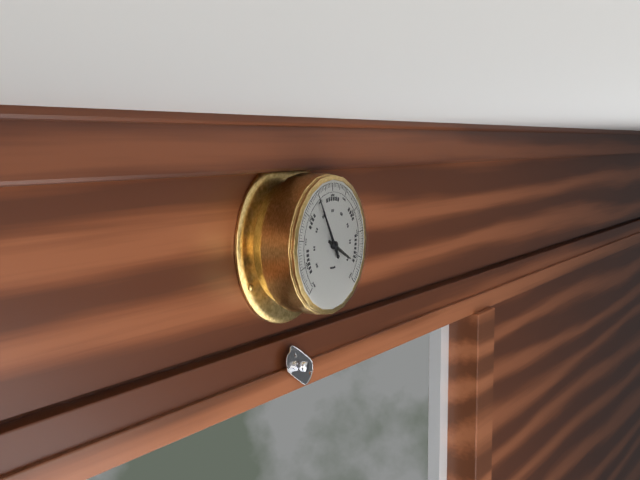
3:55
